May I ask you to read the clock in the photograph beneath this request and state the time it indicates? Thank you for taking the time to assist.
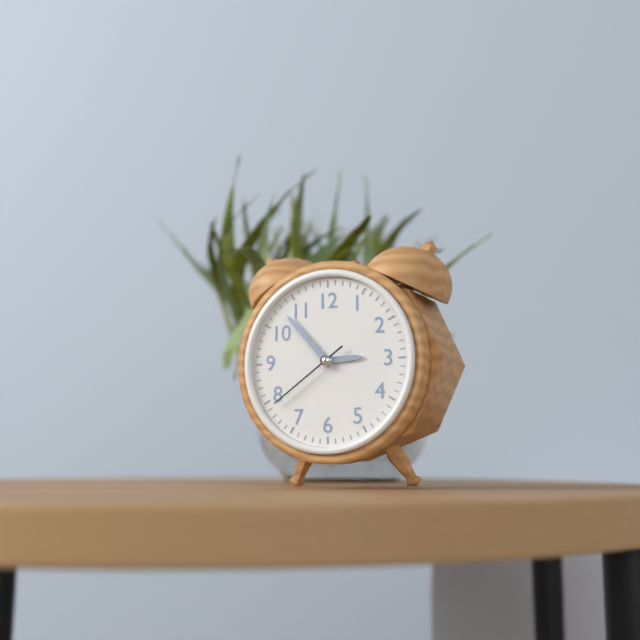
2:53:39
